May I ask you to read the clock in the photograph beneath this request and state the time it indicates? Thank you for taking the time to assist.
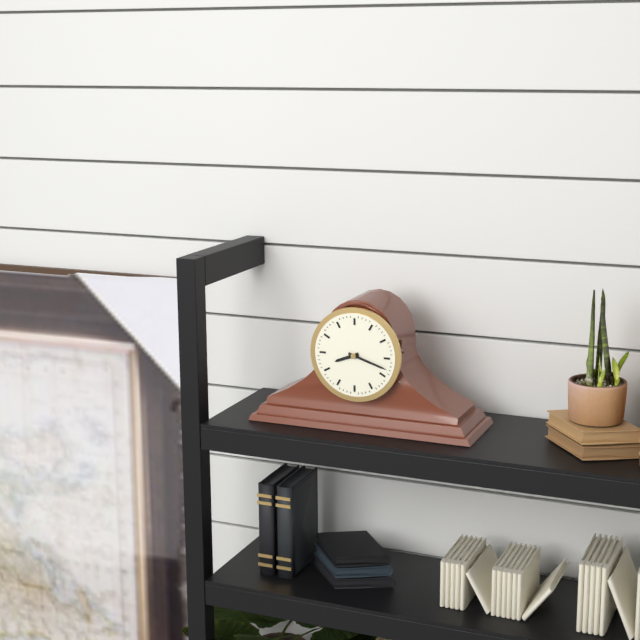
8:18
